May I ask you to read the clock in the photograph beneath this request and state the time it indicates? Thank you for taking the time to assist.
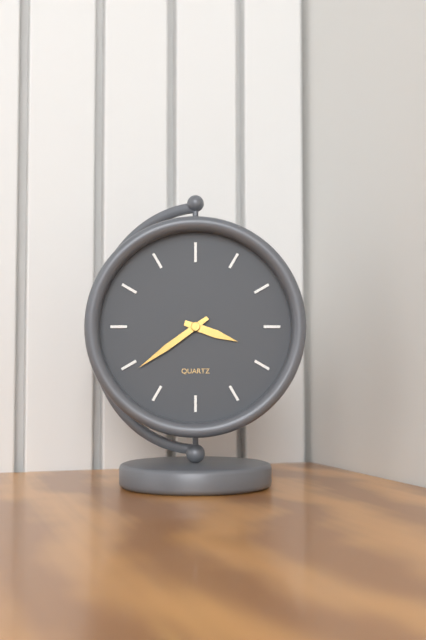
3:39
